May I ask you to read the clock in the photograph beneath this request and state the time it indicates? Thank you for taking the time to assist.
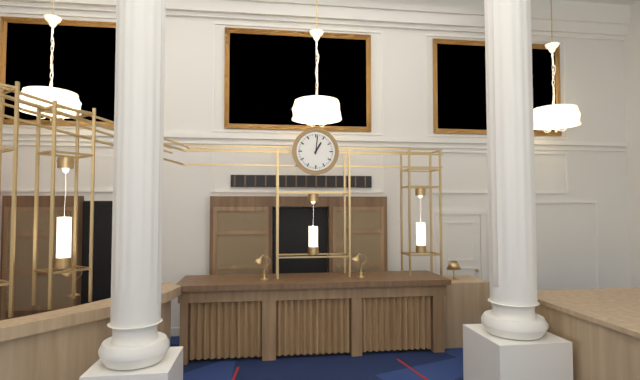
1:01
